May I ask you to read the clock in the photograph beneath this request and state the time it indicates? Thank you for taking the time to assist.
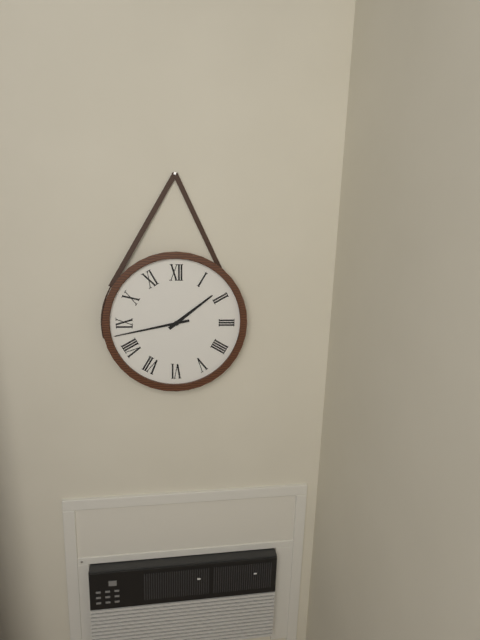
1:43
